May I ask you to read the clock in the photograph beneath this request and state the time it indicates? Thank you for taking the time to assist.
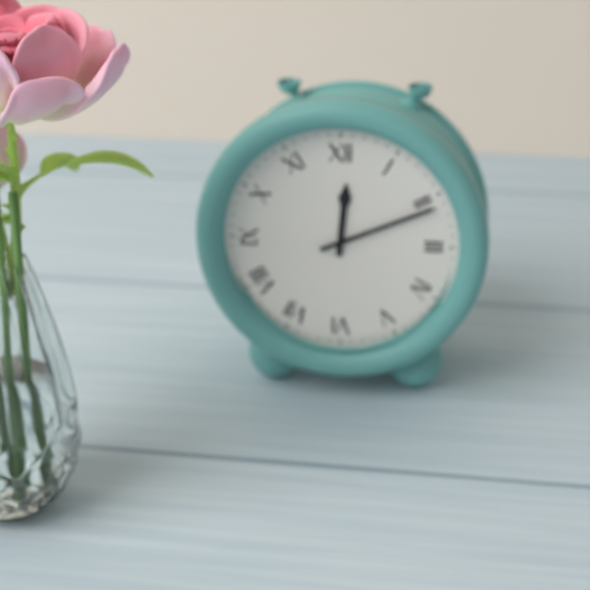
12:11
